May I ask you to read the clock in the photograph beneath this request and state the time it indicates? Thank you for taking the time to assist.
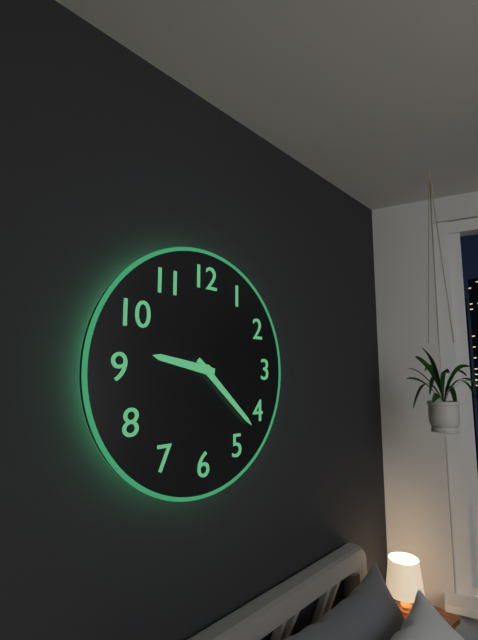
9:22
